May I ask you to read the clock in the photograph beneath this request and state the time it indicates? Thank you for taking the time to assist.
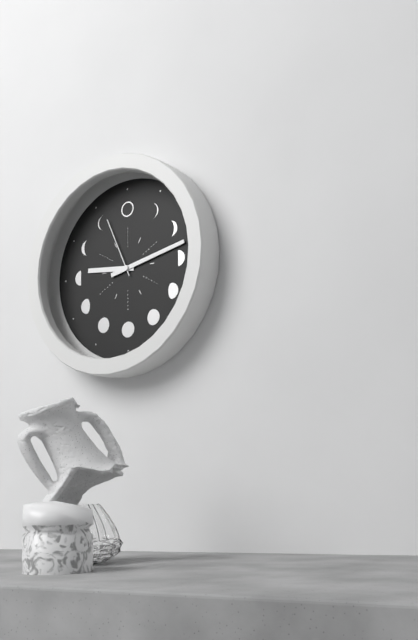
9:13:56
